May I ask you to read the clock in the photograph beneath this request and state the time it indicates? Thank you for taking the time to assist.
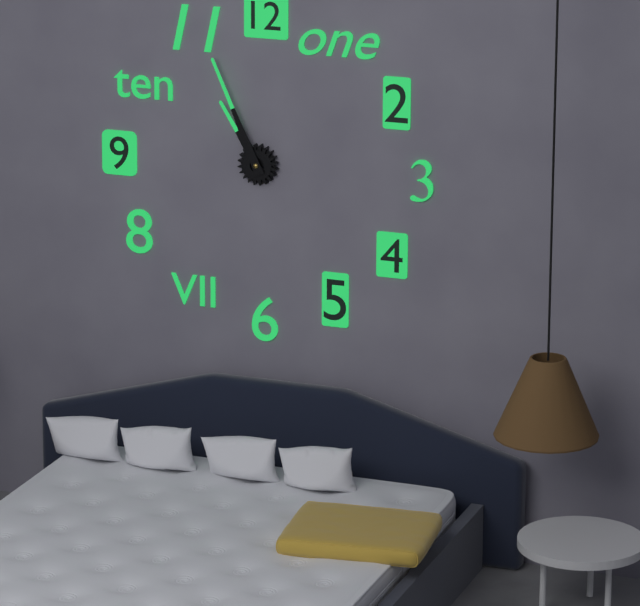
10:56
